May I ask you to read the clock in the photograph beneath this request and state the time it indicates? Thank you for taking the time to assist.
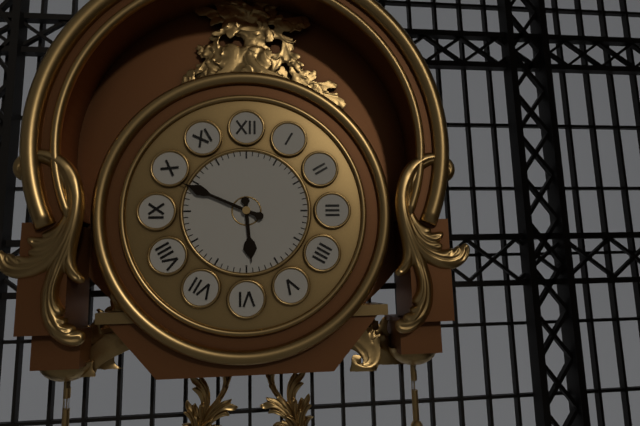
5:49
